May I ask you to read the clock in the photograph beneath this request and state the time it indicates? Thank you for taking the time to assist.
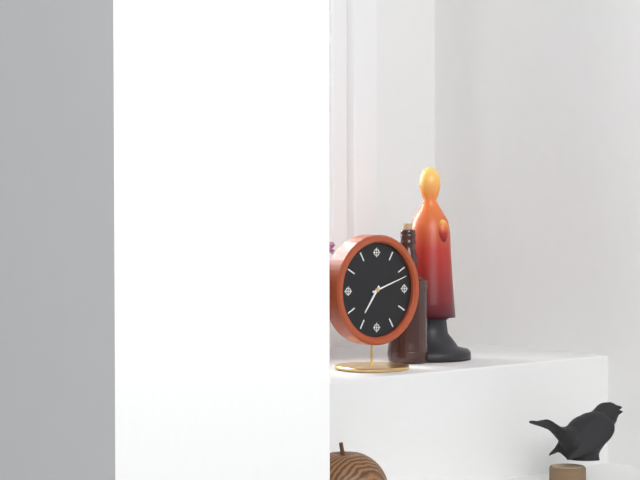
7:12
